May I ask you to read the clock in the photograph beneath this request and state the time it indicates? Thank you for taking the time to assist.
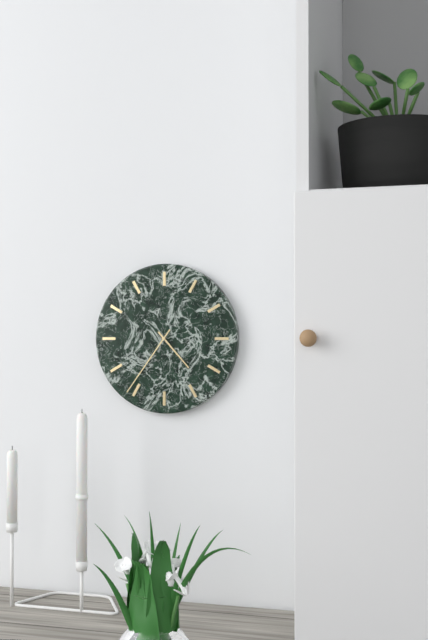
4:36
